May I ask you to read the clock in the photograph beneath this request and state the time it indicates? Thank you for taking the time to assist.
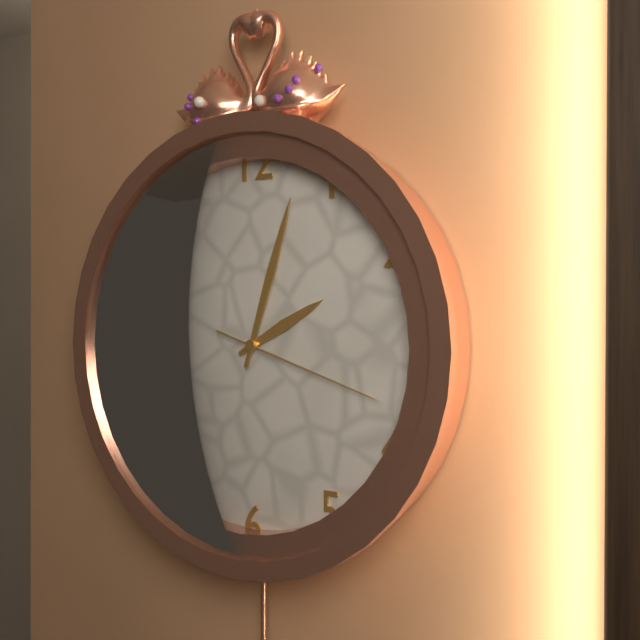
2:03:18
